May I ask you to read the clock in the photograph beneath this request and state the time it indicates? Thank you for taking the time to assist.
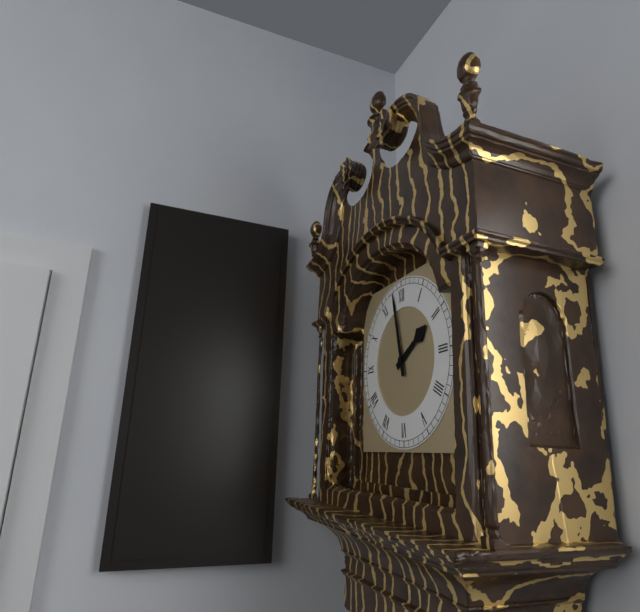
1:58
